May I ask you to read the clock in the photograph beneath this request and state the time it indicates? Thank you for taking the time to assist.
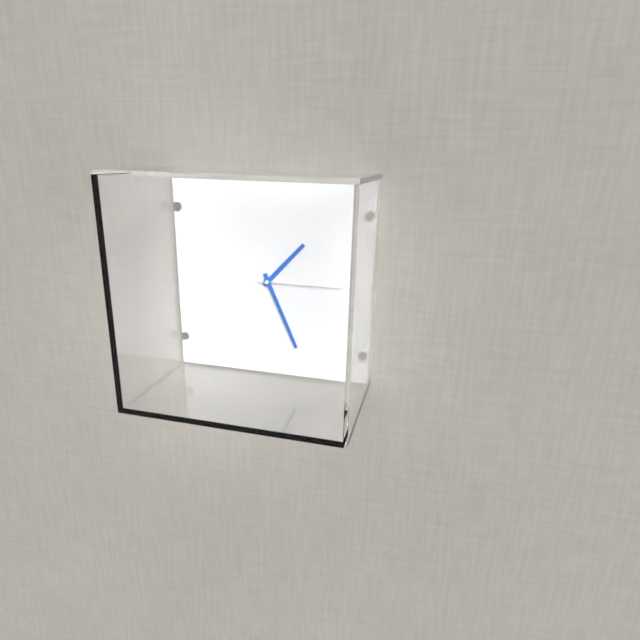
1:26:15
